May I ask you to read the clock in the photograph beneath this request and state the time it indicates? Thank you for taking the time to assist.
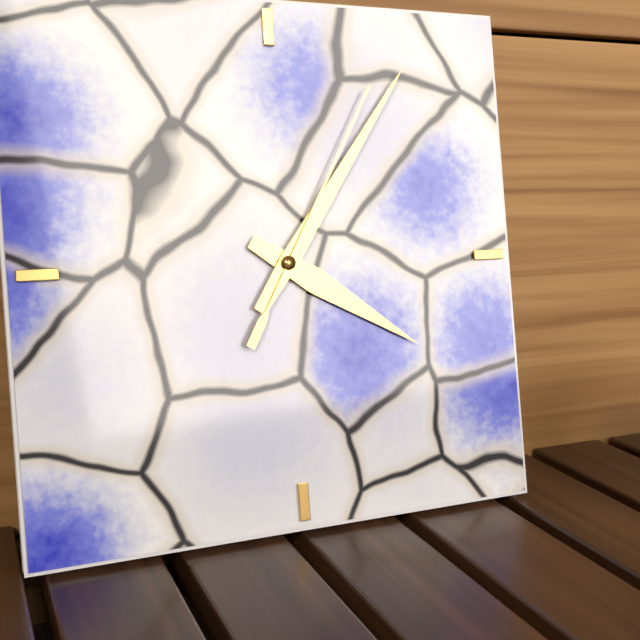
4:06:05
